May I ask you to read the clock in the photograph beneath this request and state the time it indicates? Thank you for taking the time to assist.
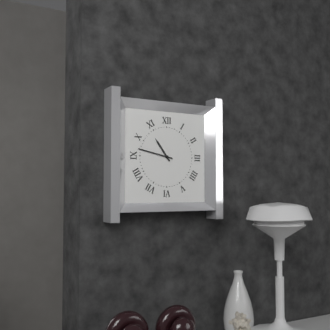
10:47
